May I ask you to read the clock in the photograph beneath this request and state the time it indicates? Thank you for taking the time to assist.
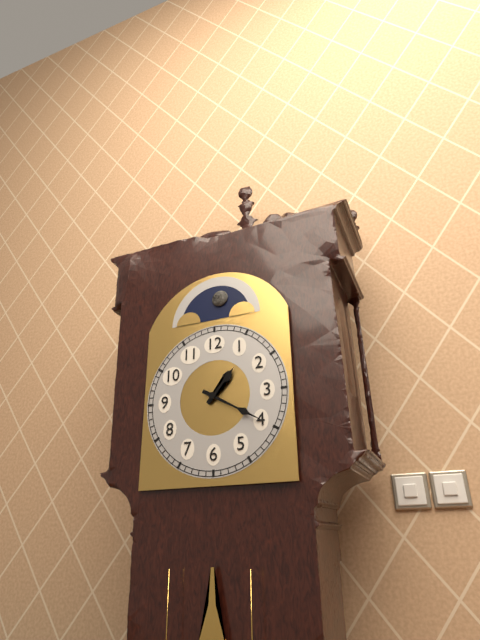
1:20
